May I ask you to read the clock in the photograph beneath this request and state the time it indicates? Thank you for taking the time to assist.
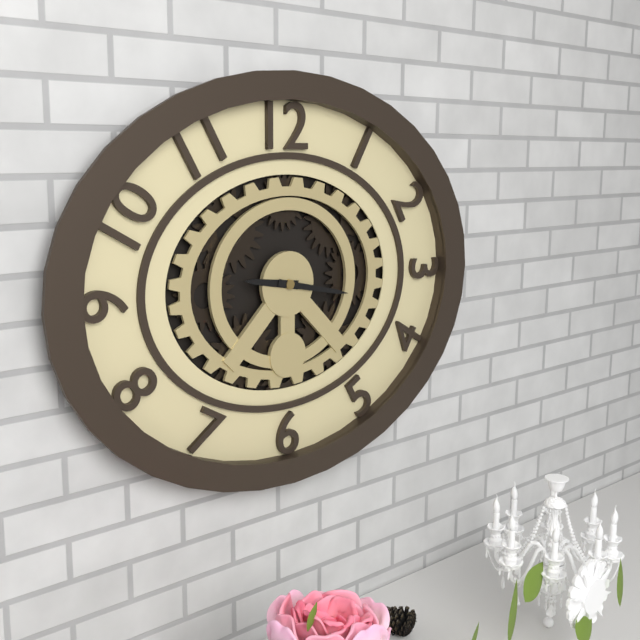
9:17
